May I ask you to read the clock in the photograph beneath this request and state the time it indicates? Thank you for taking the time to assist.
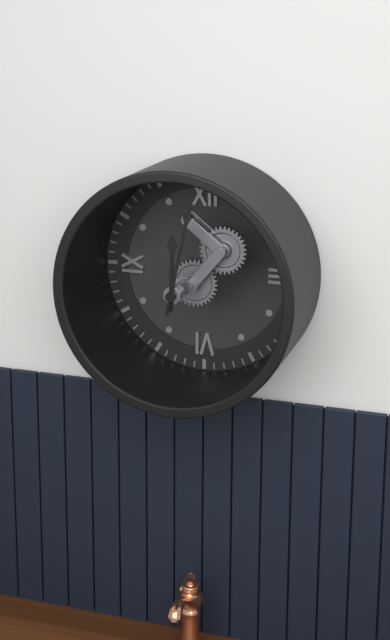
12:02
